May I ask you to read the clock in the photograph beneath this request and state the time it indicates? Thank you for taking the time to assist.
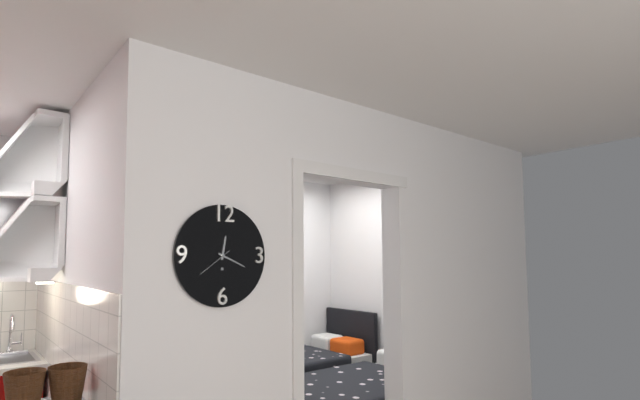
12:19
